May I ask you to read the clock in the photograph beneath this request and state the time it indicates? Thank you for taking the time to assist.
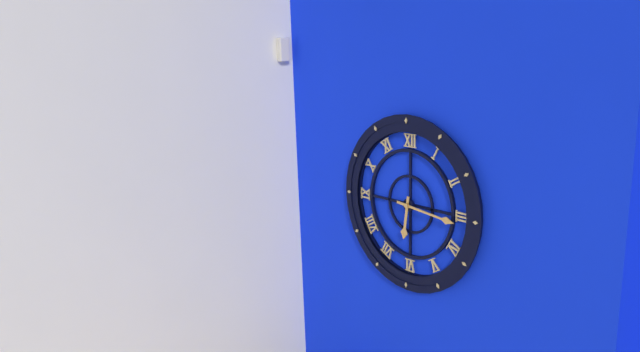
6:16
